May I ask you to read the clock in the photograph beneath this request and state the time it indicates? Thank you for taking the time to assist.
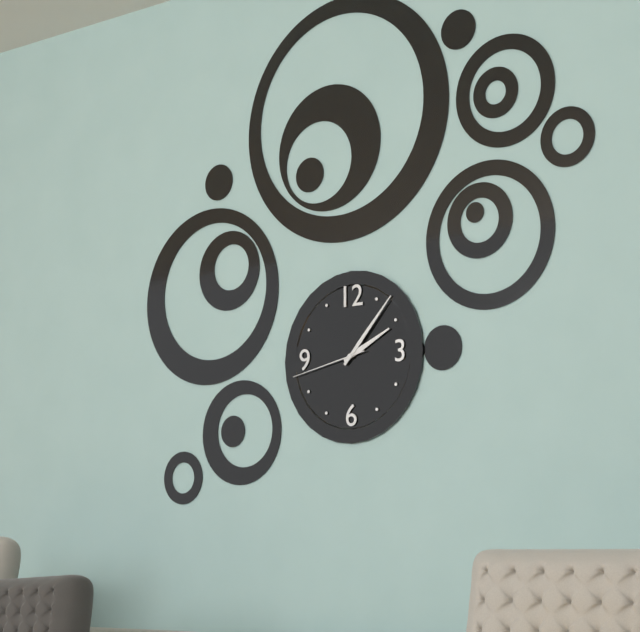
2:07:43
